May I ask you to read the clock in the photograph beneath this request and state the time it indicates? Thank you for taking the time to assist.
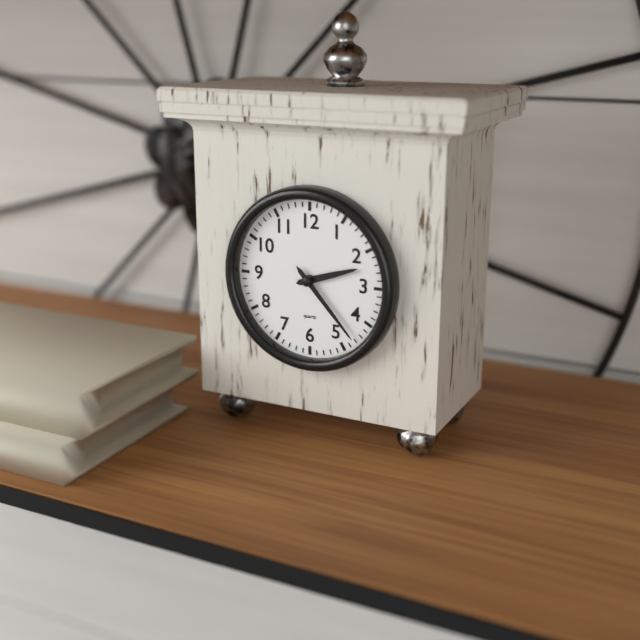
2:23
